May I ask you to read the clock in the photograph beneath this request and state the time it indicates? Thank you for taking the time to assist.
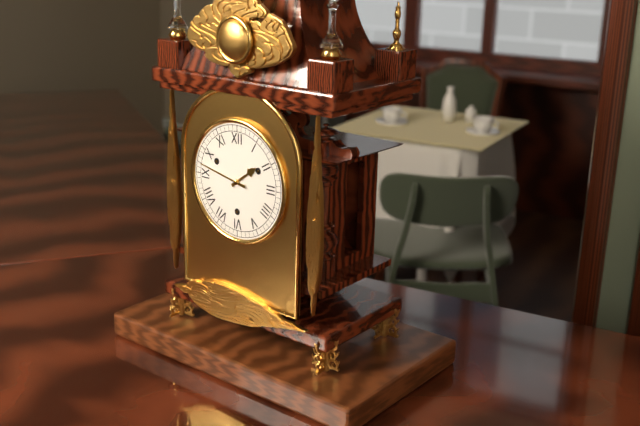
1:47
